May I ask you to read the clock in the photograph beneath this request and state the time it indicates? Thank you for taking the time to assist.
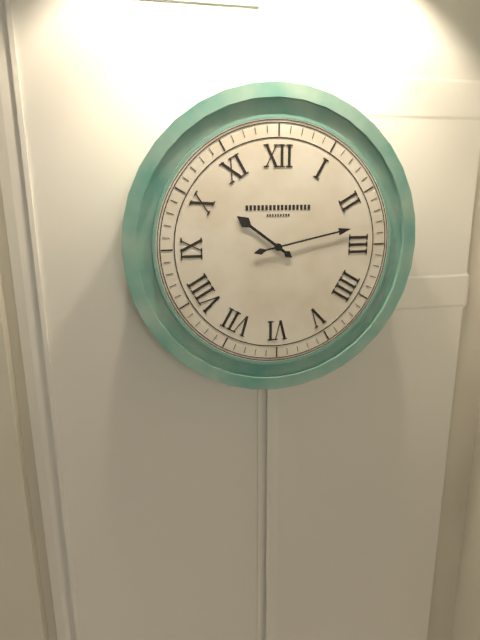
10:13
